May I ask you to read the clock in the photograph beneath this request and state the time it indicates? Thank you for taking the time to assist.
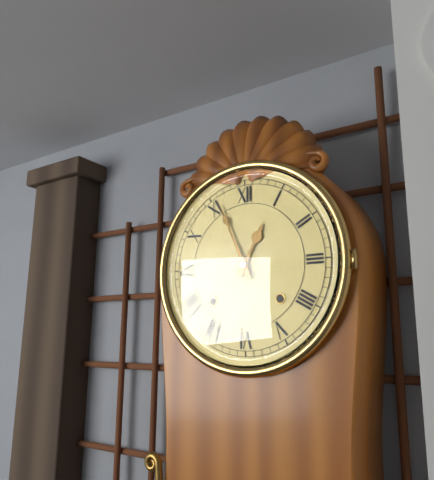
12:56
